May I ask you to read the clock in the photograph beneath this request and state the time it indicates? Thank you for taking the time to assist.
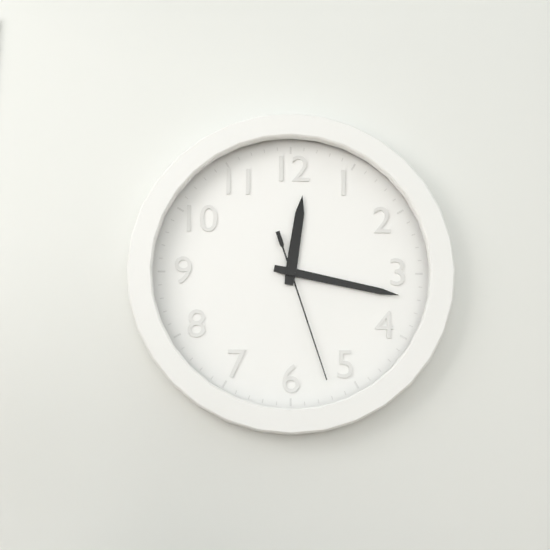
12:17:27
